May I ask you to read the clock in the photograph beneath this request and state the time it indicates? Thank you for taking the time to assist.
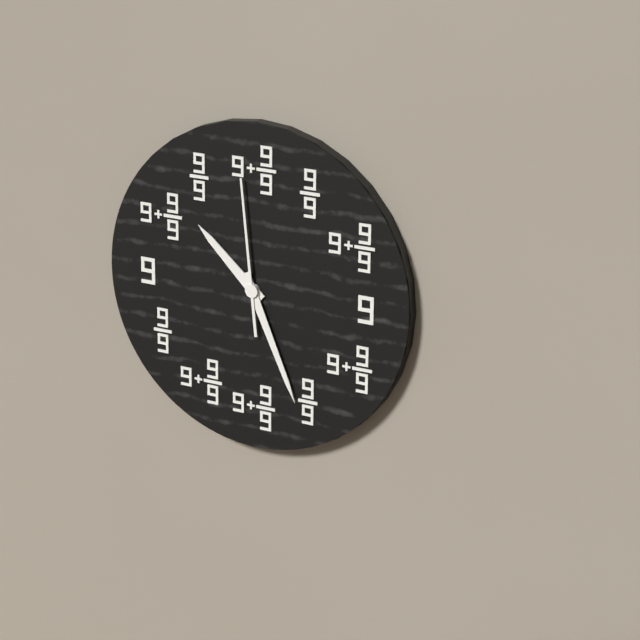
10:26:59
